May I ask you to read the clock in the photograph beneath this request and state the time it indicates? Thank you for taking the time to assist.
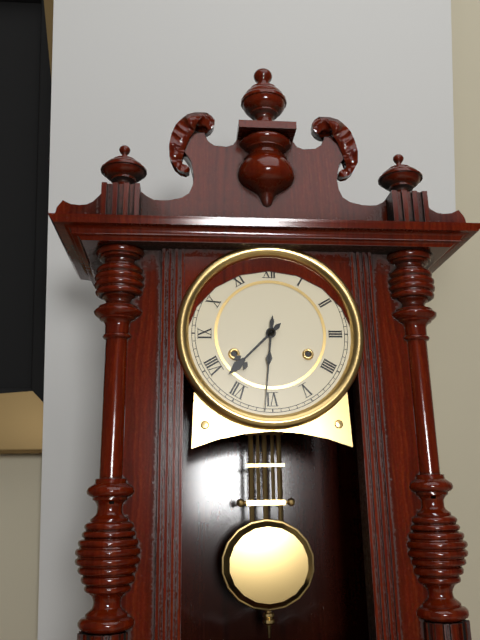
7:31
